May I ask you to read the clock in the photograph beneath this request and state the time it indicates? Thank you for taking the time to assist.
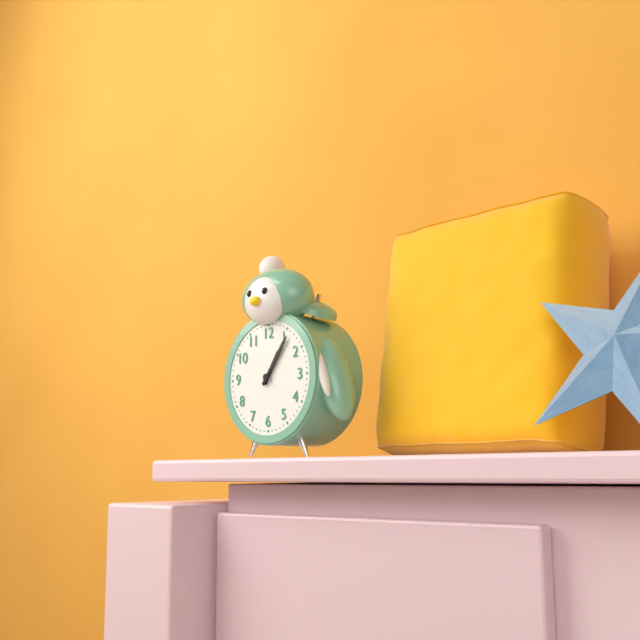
1:06
